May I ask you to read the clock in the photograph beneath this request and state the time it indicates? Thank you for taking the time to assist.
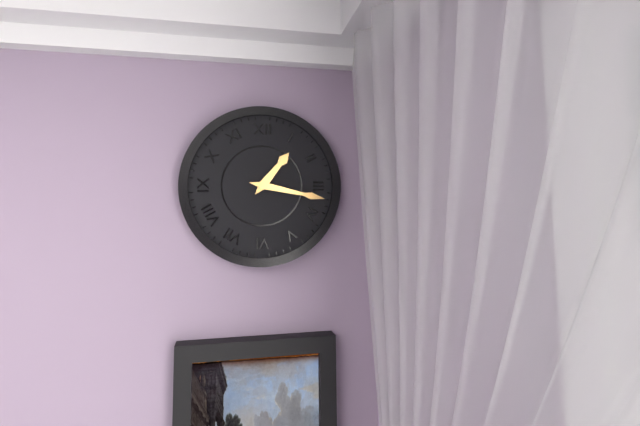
1:17
